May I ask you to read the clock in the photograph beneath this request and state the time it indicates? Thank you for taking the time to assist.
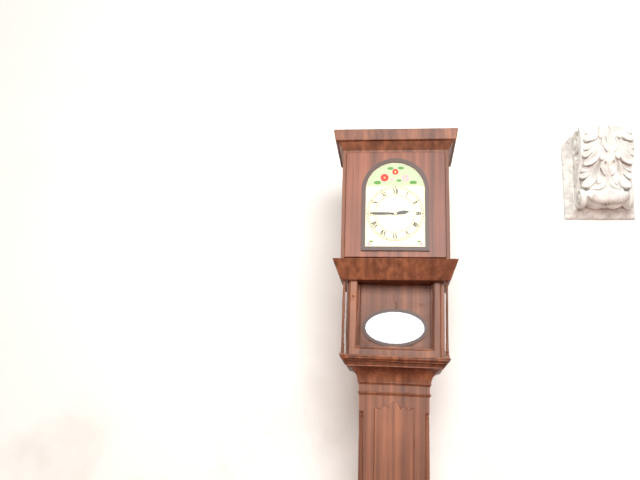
2:45
